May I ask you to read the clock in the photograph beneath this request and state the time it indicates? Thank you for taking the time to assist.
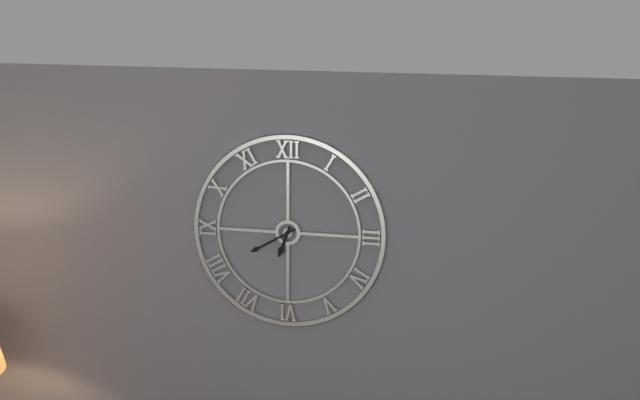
6:40
